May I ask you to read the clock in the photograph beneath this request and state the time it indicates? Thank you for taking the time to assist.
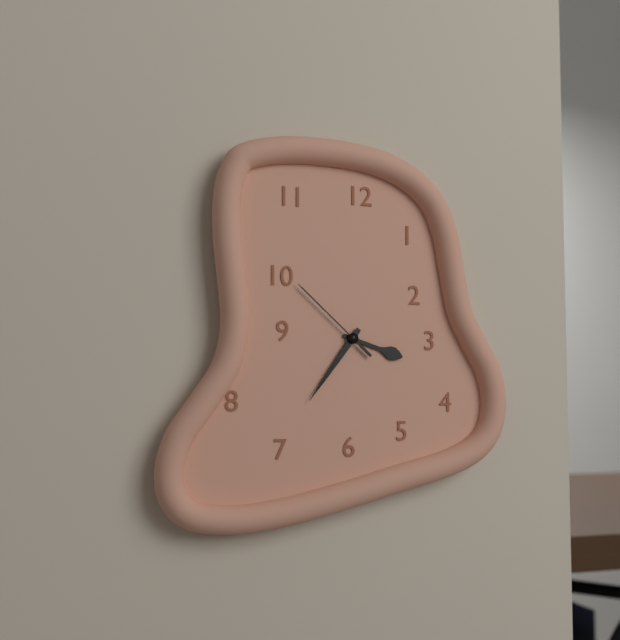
3:36:52
